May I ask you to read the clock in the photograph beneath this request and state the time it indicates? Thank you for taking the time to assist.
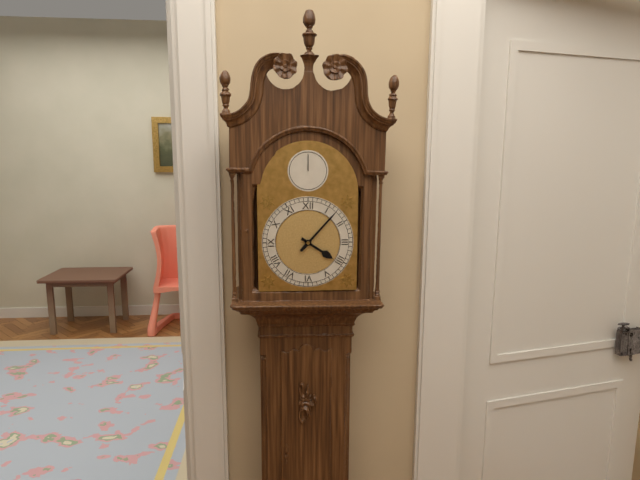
4:07
